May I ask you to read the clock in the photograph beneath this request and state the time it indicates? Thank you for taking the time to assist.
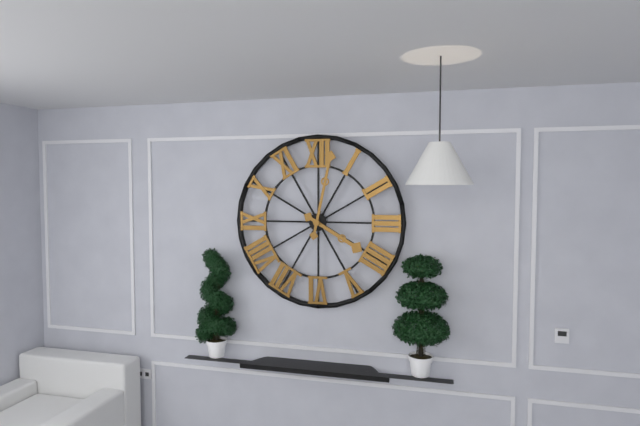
4:02
